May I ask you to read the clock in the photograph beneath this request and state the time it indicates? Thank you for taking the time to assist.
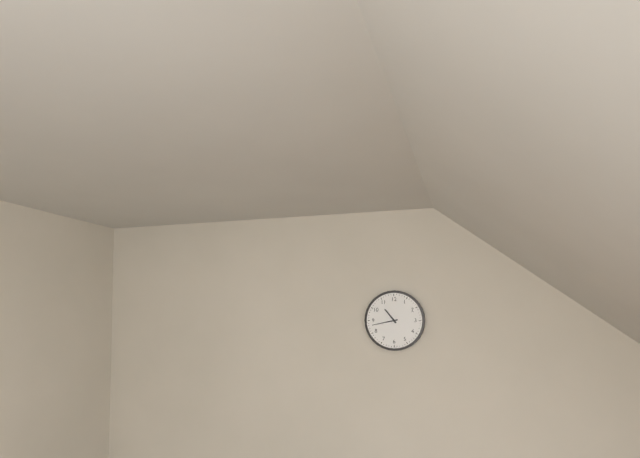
10:43
